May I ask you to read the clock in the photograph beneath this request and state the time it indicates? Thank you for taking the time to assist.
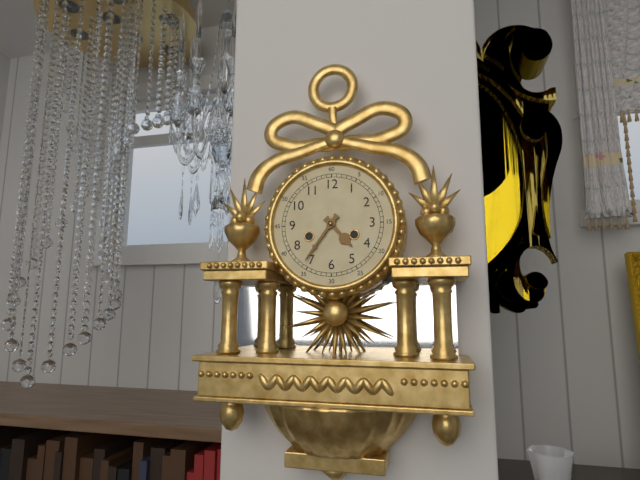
4:36
